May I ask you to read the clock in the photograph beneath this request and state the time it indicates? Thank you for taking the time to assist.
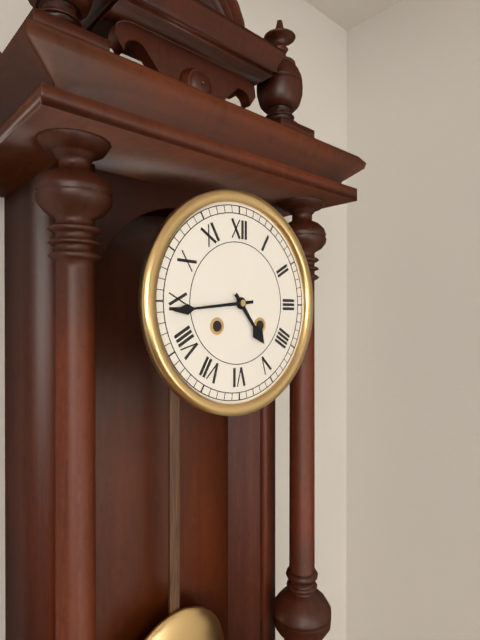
4:44
